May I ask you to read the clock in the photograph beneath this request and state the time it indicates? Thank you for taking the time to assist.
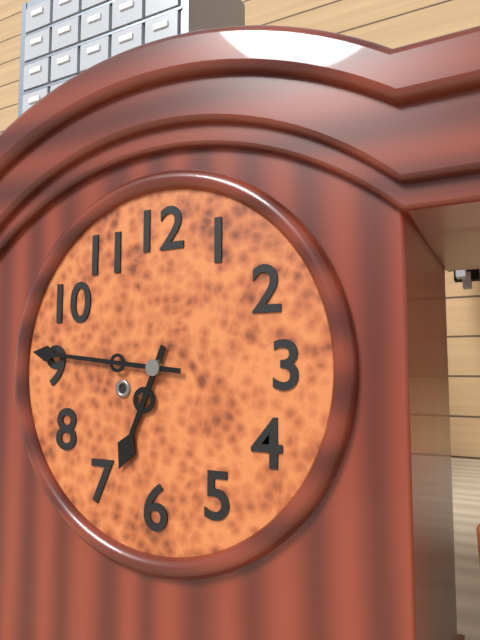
6:46
